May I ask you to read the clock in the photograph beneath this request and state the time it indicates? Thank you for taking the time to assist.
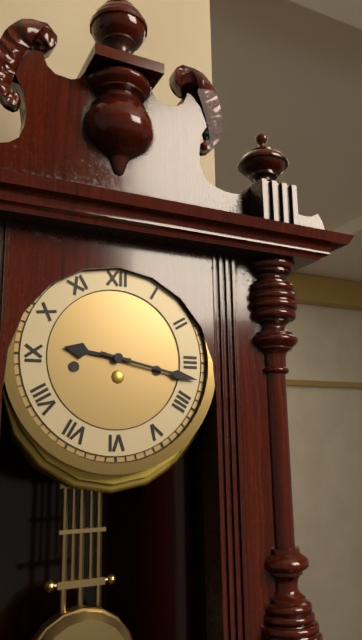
9:17
